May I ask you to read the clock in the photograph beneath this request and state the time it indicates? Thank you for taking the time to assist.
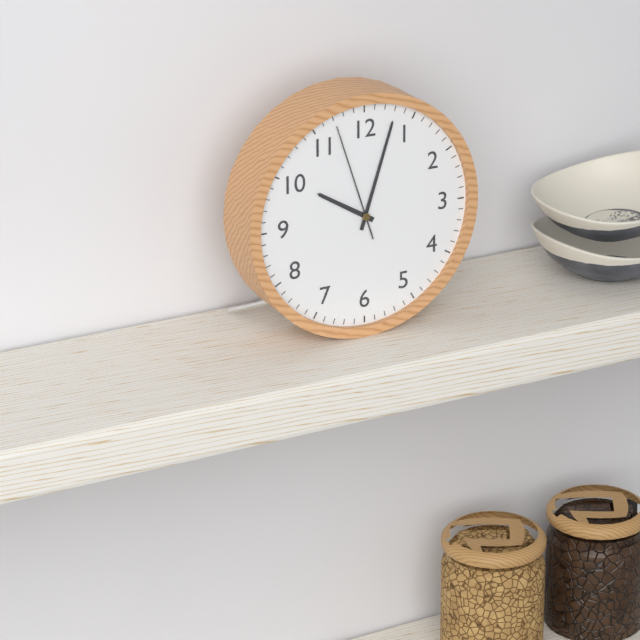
10:03:57
